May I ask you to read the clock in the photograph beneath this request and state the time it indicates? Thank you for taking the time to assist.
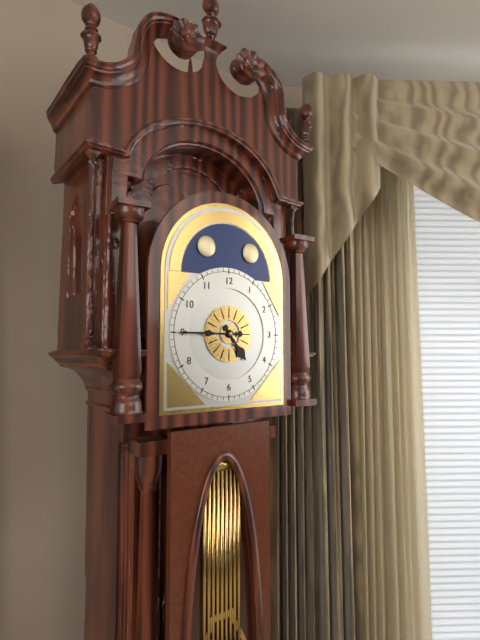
4:45
